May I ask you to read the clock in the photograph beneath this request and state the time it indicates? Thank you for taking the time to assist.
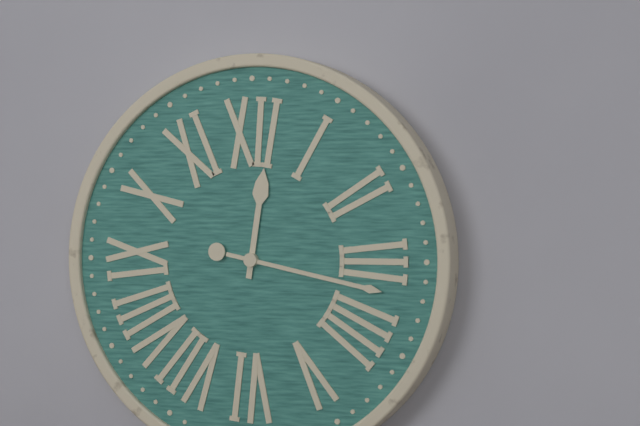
12:17
